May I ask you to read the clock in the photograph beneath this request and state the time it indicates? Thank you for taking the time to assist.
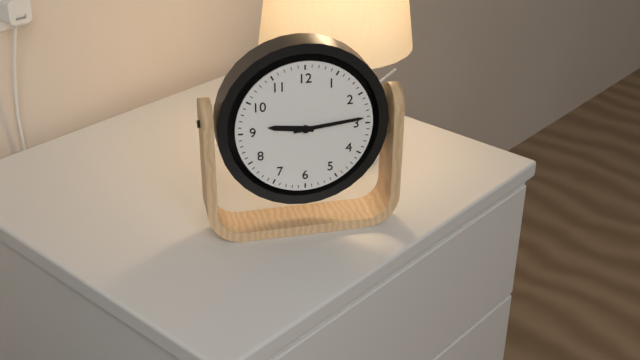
9:14
